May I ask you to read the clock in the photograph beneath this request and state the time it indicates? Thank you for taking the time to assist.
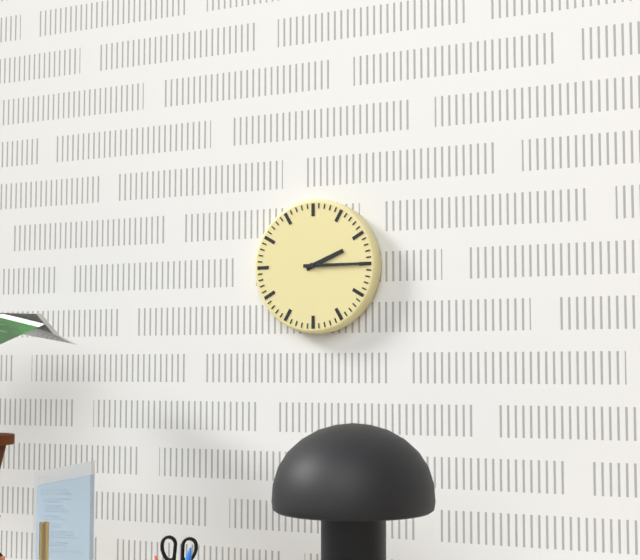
2:15
